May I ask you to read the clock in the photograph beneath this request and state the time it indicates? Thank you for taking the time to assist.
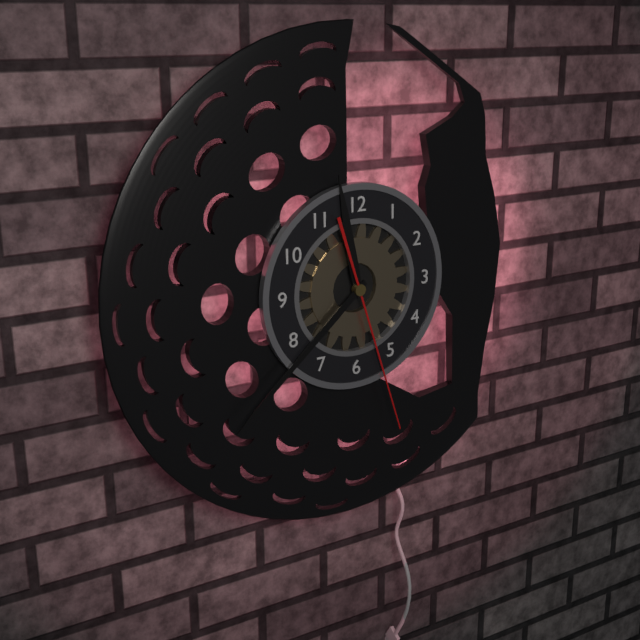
11:38:27
